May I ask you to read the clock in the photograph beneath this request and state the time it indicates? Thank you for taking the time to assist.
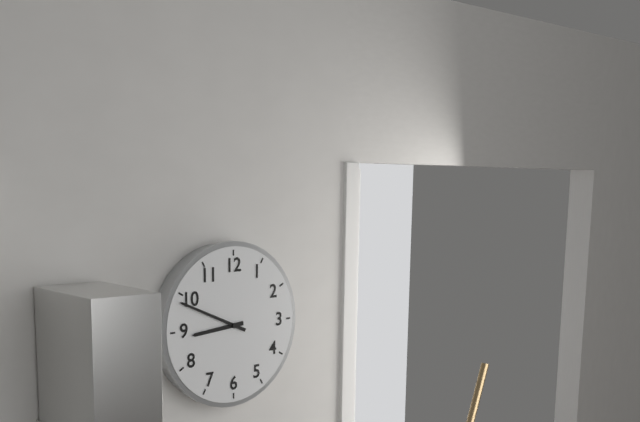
8:49
